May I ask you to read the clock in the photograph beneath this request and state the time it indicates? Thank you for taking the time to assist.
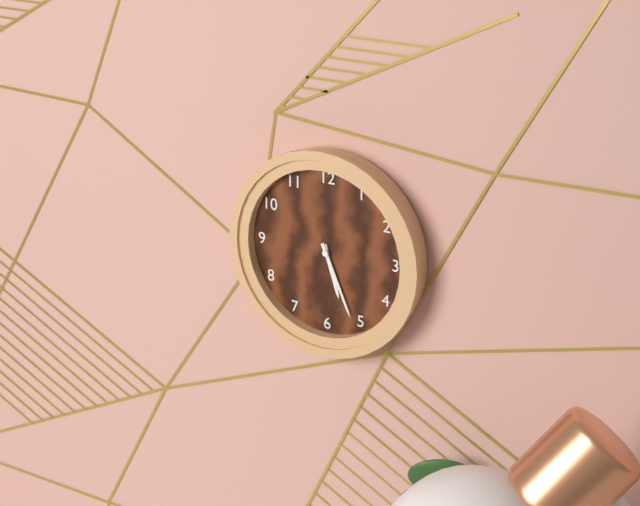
5:26
